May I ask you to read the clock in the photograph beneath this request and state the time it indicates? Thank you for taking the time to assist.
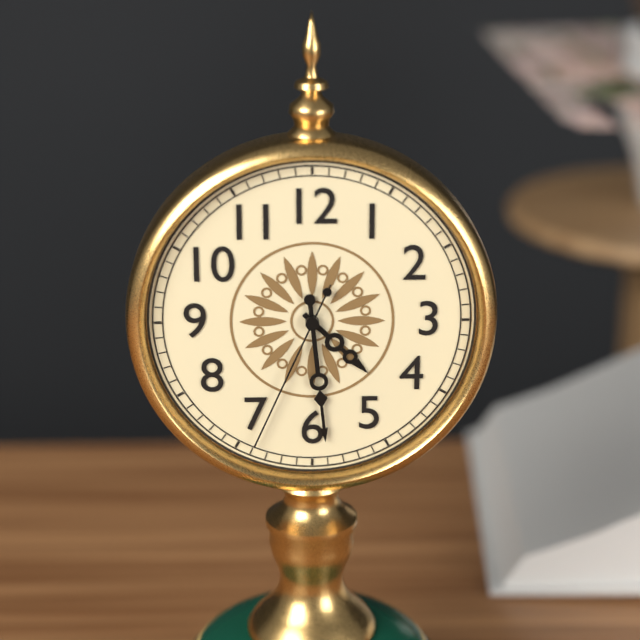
4:29:34
